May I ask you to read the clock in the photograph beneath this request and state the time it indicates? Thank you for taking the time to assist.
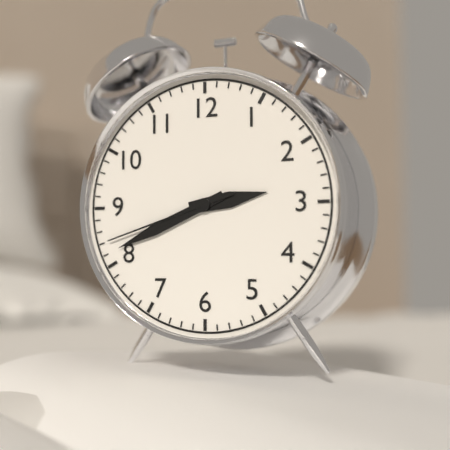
2:41:42
